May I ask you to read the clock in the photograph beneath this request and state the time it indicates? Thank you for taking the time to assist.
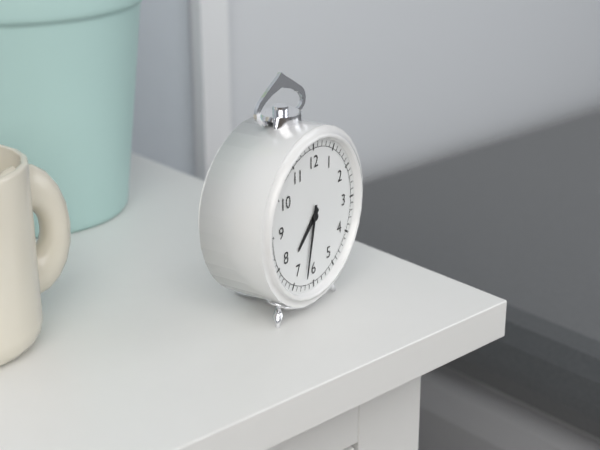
7:32
